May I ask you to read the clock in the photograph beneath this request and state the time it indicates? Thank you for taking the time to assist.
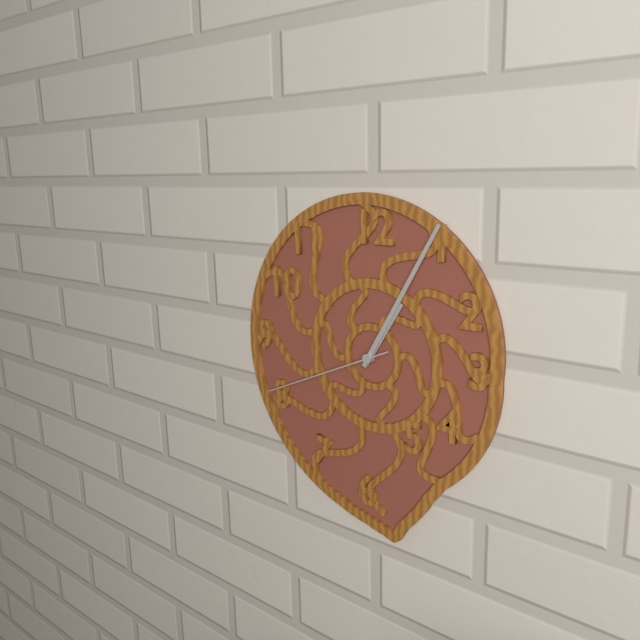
1:05:41
